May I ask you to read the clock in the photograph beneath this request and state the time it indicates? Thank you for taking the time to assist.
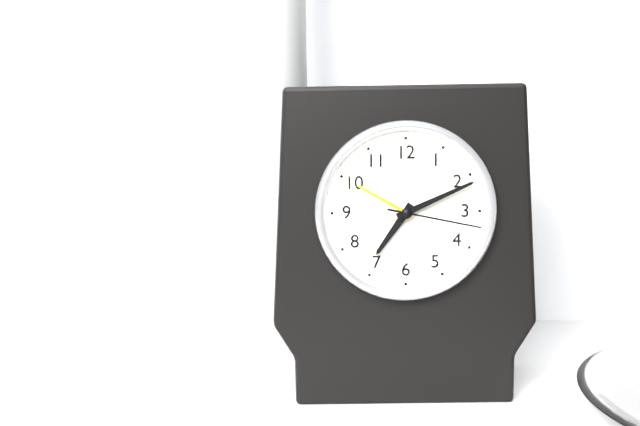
7:11:17
